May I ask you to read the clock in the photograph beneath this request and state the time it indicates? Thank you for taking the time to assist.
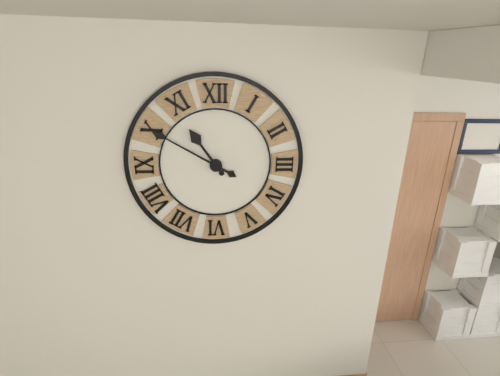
10:50
